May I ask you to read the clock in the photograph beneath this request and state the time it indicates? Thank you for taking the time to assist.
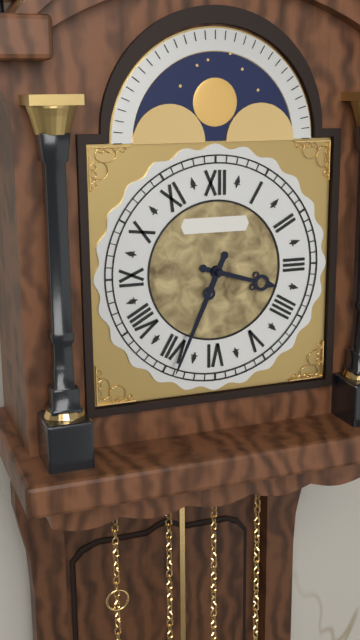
3:34
